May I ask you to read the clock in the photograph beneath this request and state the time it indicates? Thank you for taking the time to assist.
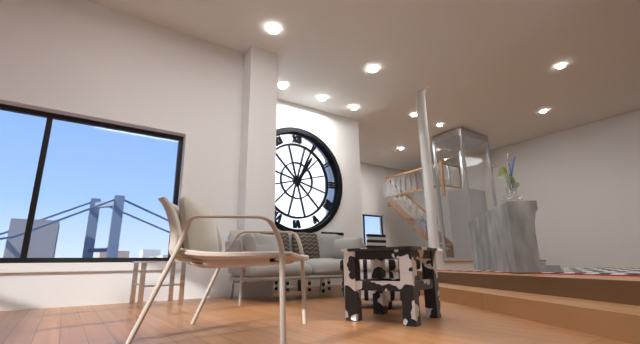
1:04
